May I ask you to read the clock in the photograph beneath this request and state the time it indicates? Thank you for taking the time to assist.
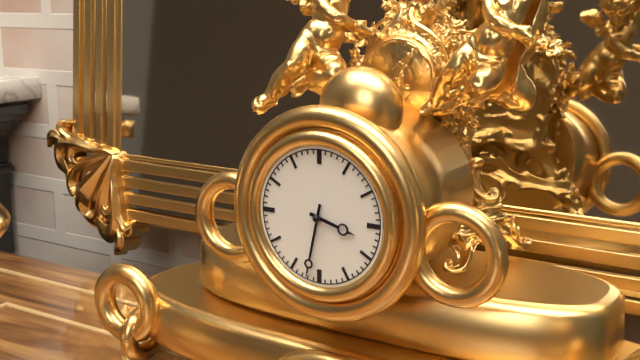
3:32
